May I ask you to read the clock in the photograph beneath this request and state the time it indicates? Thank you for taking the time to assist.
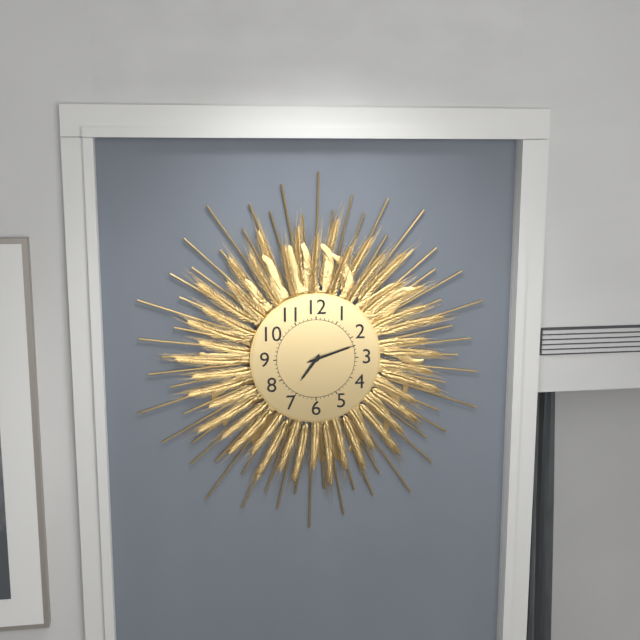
7:12:12
